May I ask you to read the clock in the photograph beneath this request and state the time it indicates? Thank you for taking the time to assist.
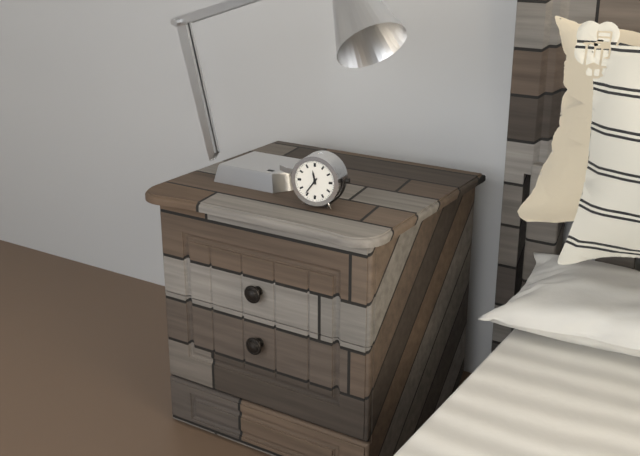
11:36
